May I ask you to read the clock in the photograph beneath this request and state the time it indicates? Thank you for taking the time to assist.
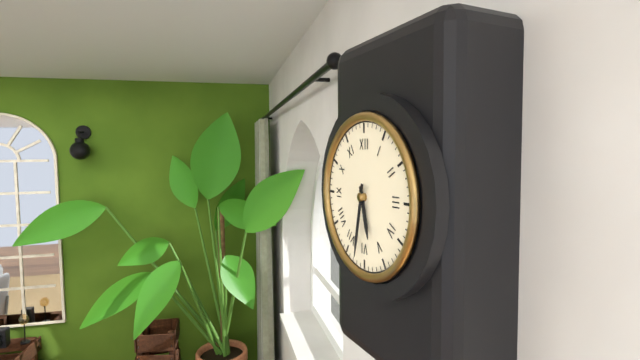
5:32
